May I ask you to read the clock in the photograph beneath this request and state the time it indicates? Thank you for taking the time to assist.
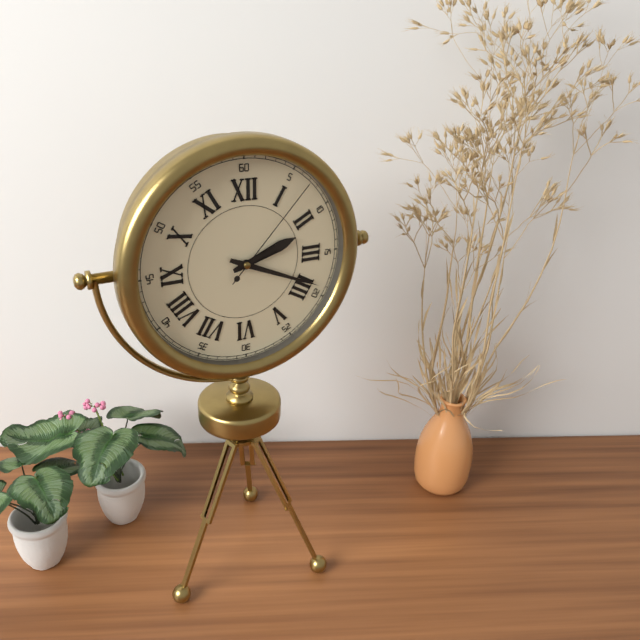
2:19:07
